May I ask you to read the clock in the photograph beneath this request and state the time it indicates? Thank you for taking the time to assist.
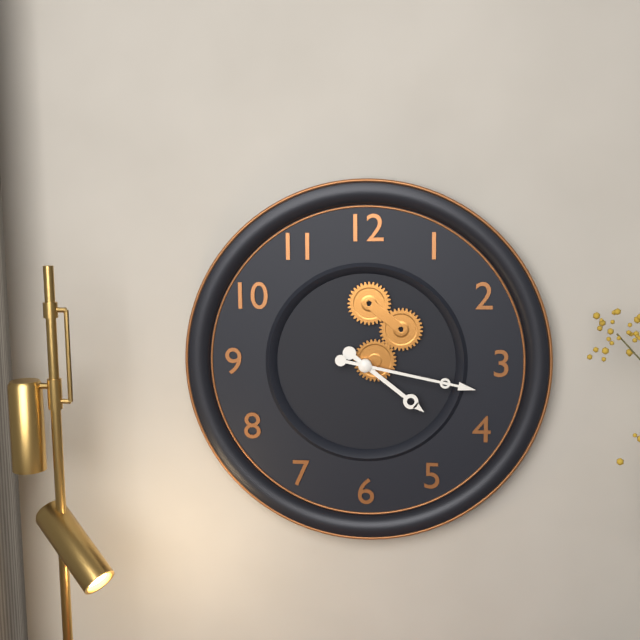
4:17
